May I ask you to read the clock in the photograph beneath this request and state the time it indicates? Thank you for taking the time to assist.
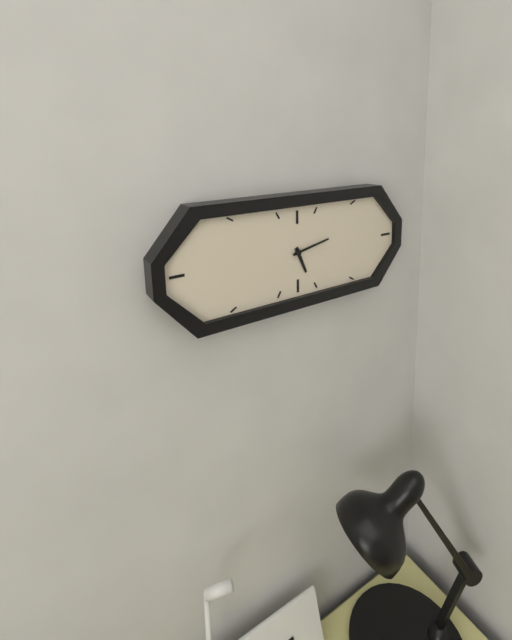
5:13
